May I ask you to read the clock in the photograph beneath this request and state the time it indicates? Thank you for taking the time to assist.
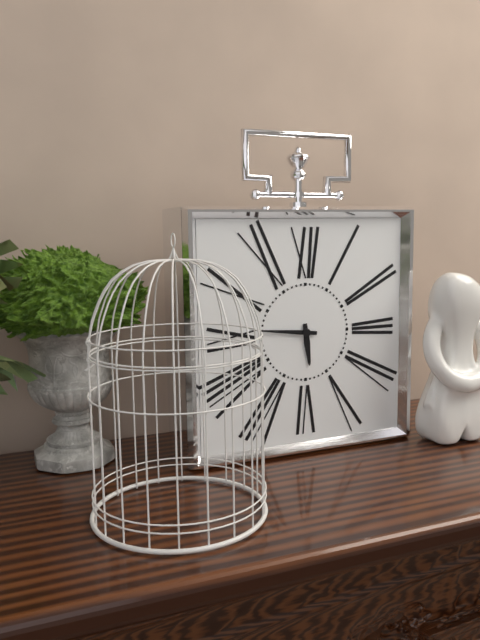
5:46
